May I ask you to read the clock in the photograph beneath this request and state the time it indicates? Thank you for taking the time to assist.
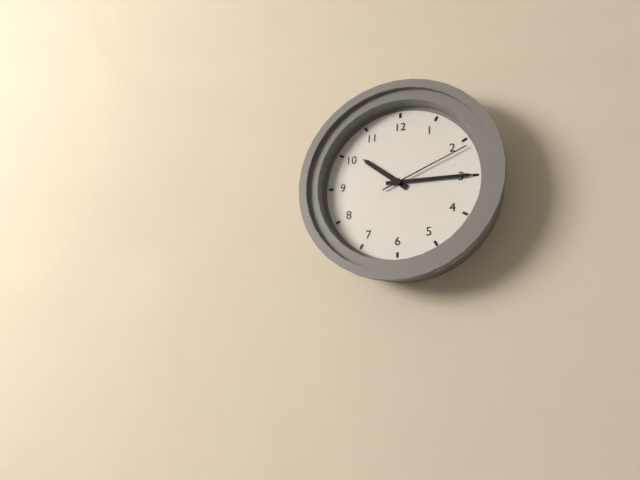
10:15:11
